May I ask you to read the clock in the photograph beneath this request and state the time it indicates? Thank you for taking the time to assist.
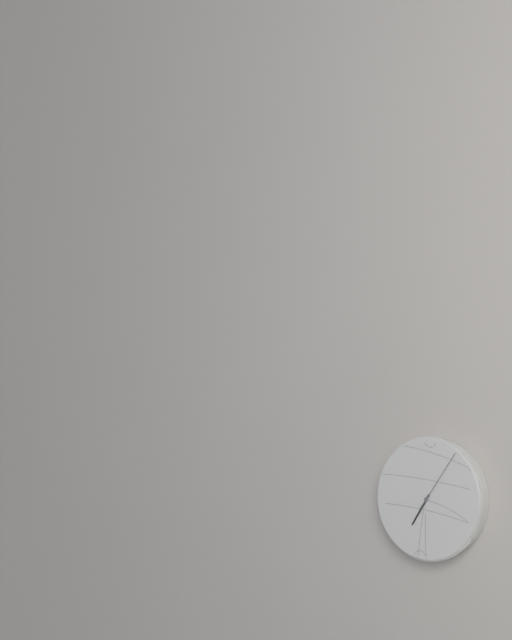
7:06
